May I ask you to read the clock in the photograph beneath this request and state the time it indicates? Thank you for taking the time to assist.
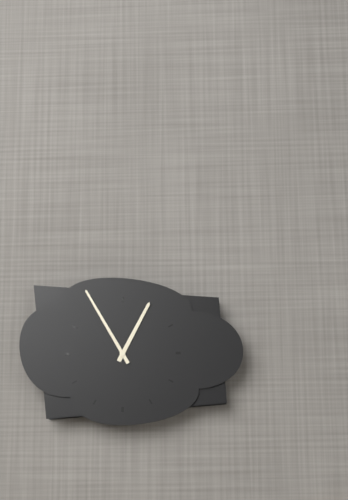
12:55
